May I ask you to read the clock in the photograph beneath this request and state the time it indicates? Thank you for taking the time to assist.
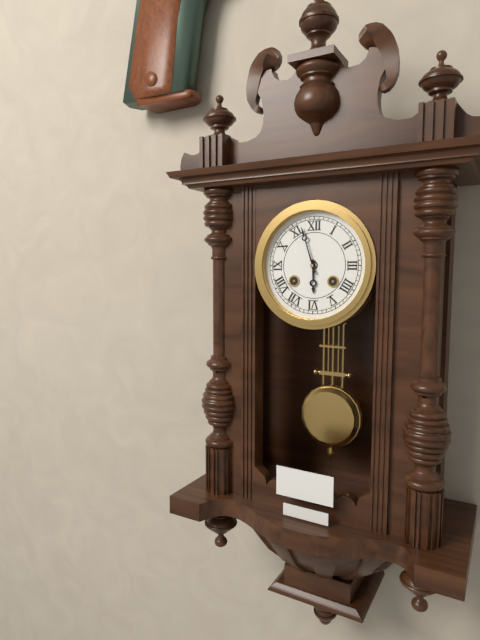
5:57
